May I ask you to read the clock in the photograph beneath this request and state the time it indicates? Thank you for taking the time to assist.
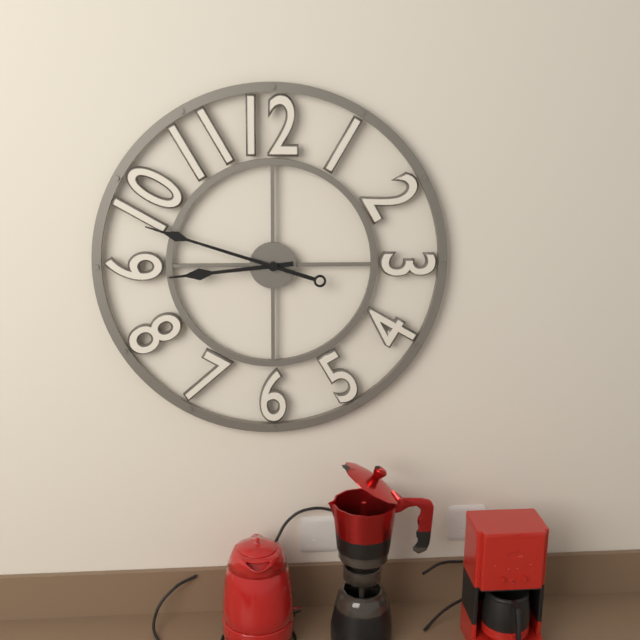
8:48
